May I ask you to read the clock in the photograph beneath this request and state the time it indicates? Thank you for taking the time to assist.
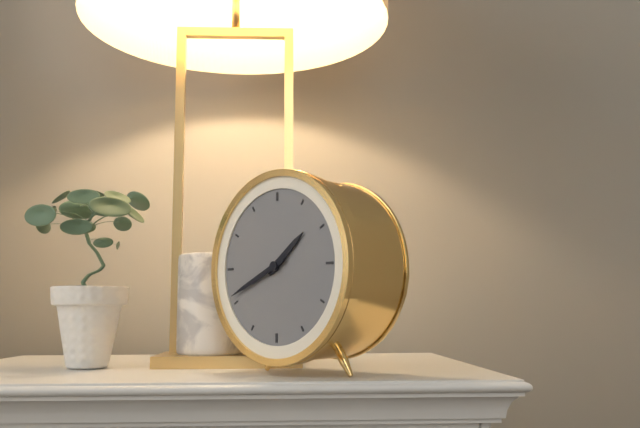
1:41
